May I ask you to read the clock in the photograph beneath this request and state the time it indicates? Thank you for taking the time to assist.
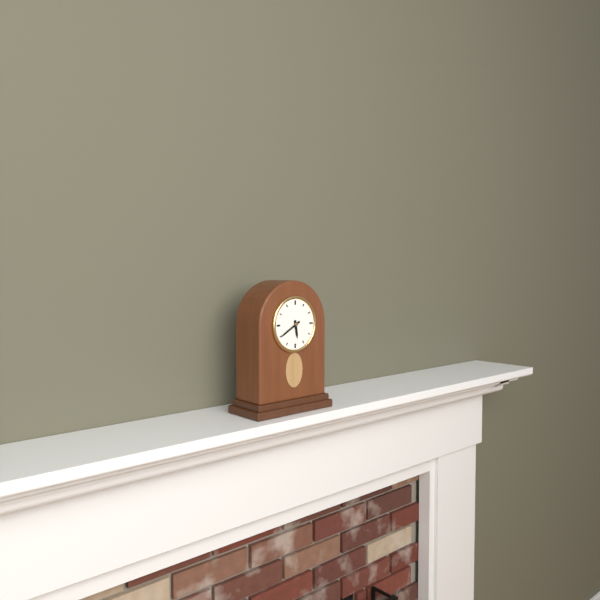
5:40
